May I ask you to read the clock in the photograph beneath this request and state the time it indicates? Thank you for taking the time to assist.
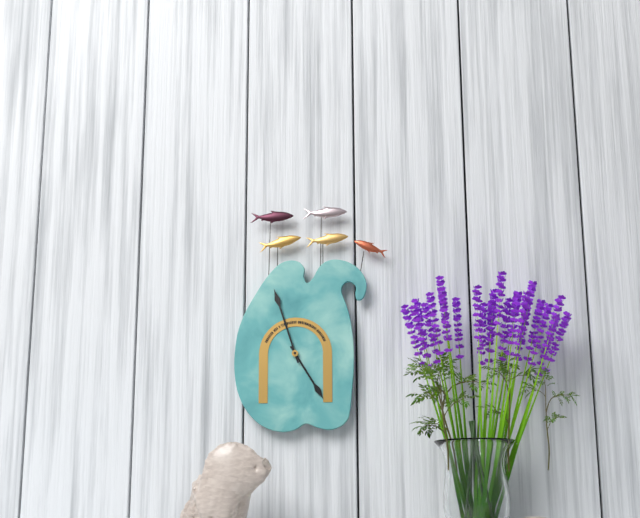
4:57
